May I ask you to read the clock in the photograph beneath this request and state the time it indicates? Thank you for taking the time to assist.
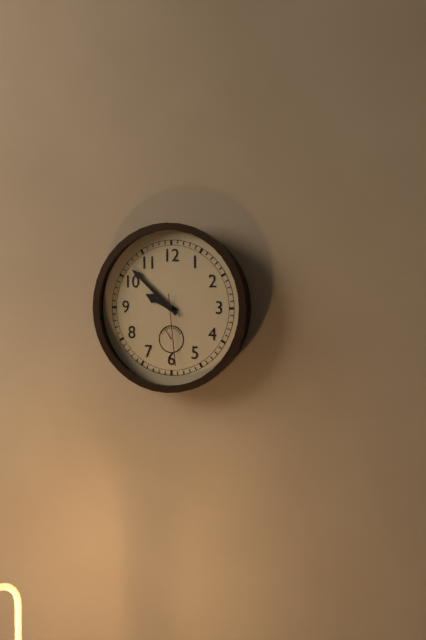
9:52:29
